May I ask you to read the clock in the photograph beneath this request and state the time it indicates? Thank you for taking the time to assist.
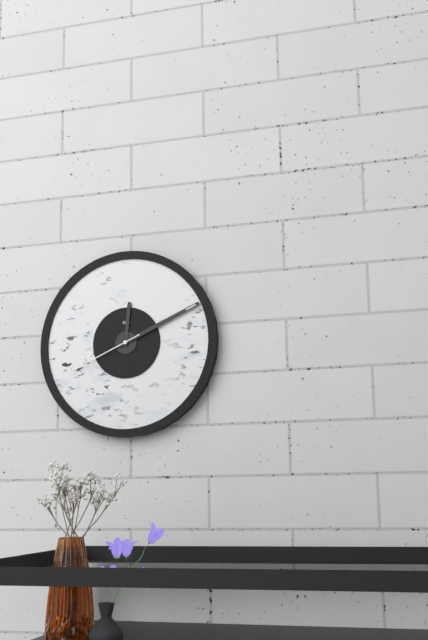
12:11:41
